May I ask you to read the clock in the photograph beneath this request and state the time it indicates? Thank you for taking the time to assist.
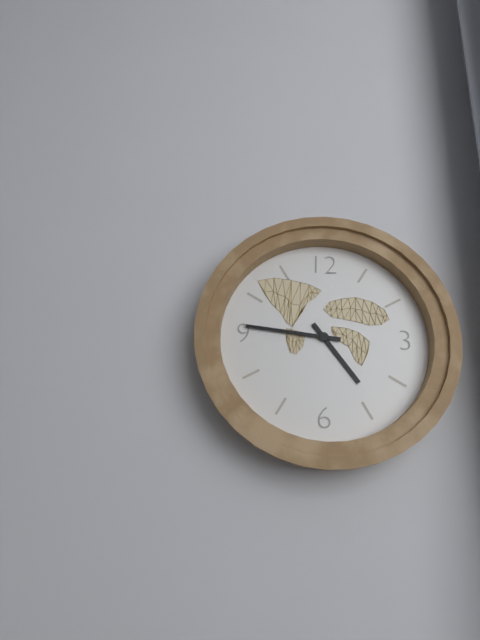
4:46
